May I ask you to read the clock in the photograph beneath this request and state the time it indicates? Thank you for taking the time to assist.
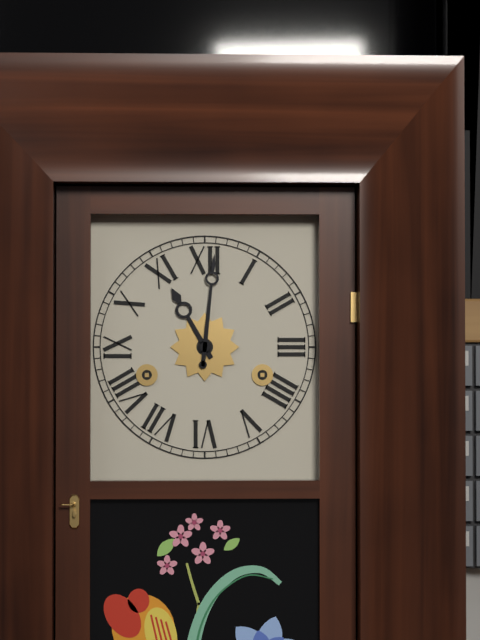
11:01
